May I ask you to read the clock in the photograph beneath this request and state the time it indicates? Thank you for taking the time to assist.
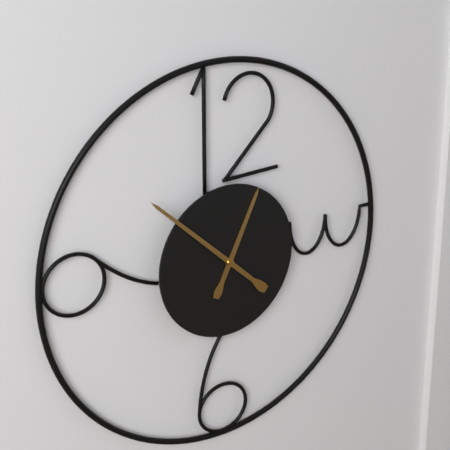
12:52
